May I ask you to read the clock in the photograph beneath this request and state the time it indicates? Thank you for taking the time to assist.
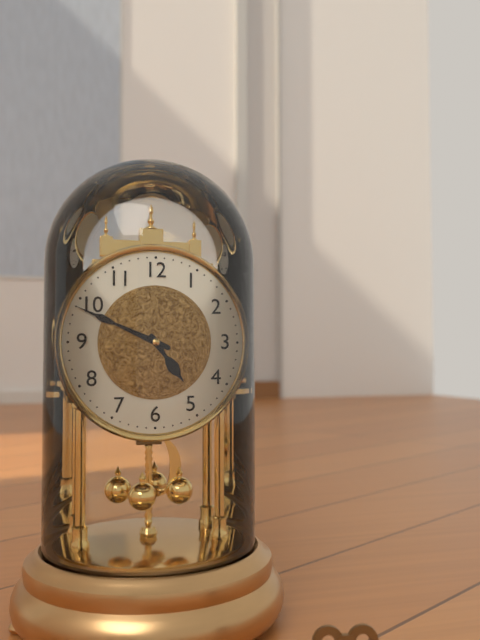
4:49
